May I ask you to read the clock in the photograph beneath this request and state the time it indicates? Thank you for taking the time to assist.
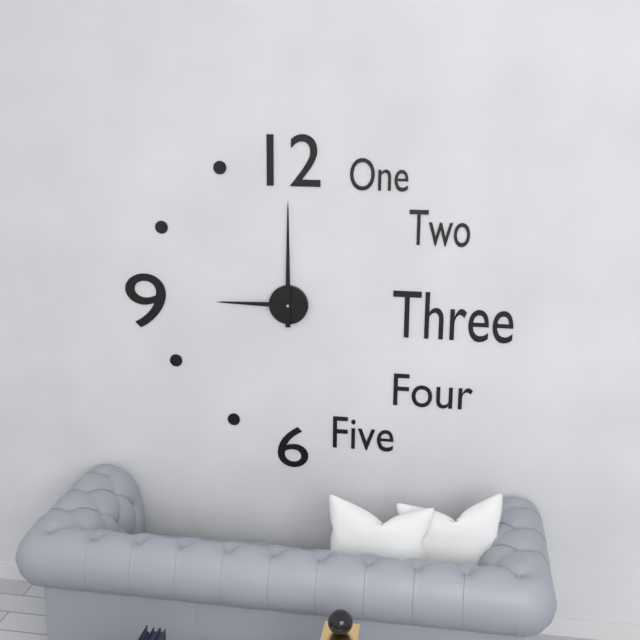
9:00
